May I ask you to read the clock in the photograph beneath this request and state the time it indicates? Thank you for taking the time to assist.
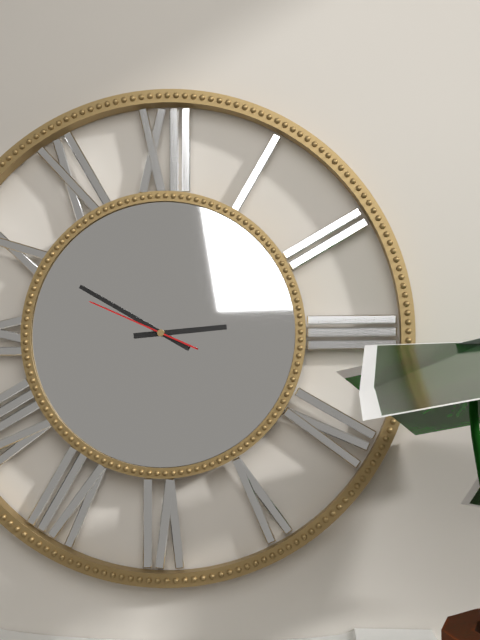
2:50:49
